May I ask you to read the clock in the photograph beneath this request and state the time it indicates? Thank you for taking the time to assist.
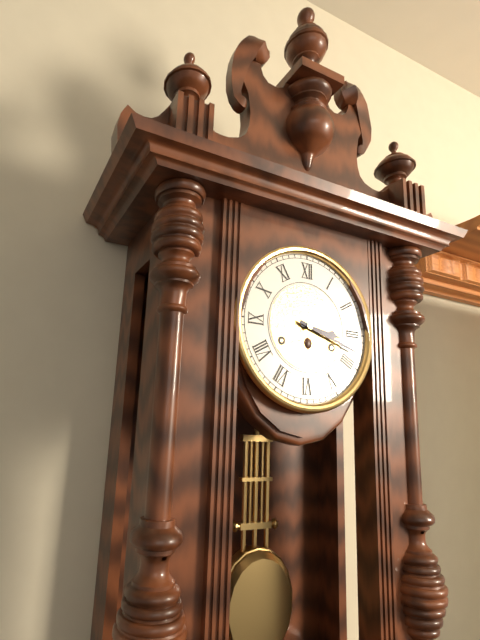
3:18
